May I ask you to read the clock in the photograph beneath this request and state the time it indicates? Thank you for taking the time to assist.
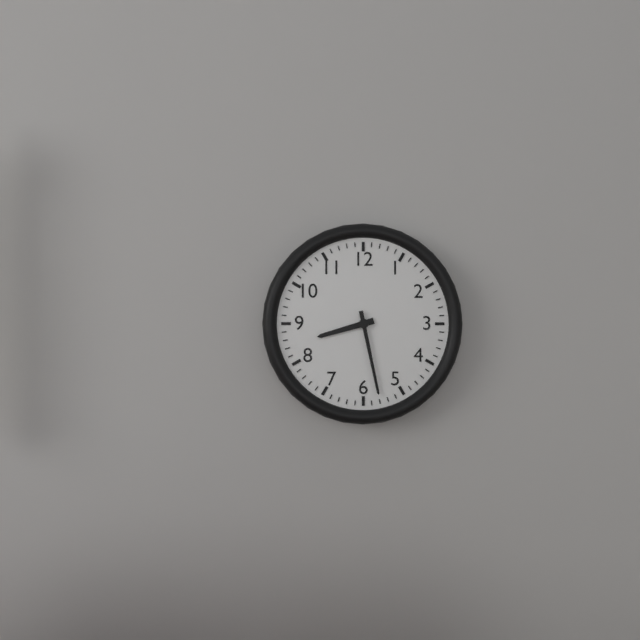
8:28
